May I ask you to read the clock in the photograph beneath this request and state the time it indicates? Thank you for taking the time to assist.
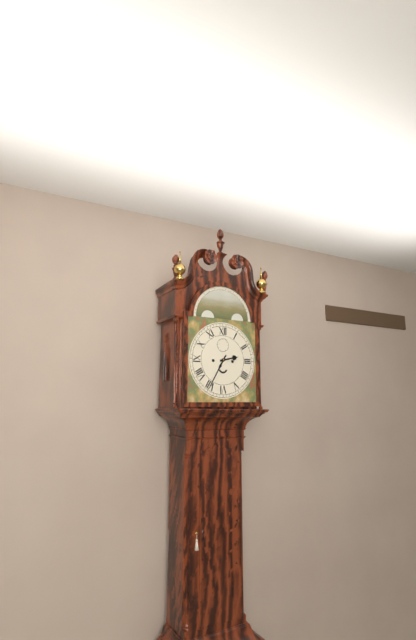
2:35
